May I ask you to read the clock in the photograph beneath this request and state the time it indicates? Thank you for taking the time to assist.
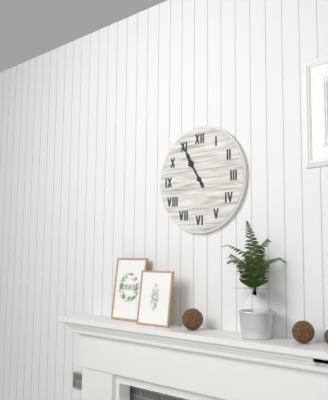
10:55
